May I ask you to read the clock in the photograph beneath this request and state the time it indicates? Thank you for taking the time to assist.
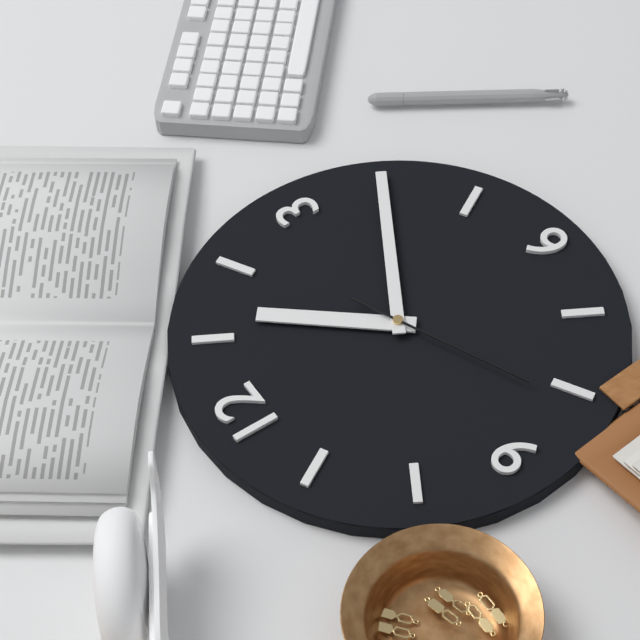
1:20:41
